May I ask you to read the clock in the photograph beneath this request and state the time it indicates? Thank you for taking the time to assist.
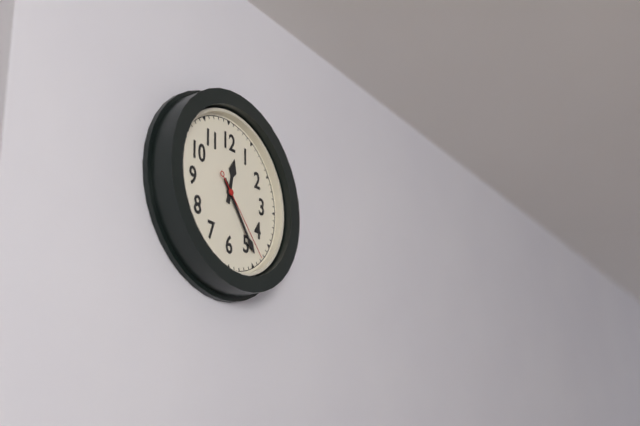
12:24:23
